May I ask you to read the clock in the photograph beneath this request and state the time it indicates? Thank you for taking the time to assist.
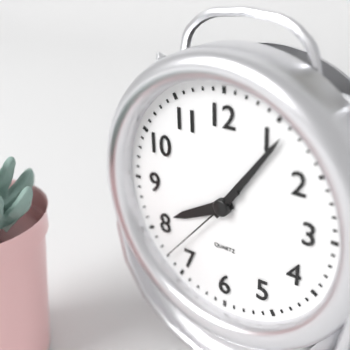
8:06:37
